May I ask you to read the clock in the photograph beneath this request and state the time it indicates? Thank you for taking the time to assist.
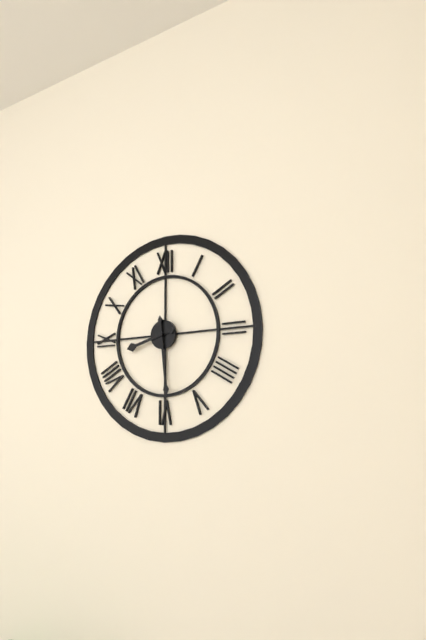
8:29
